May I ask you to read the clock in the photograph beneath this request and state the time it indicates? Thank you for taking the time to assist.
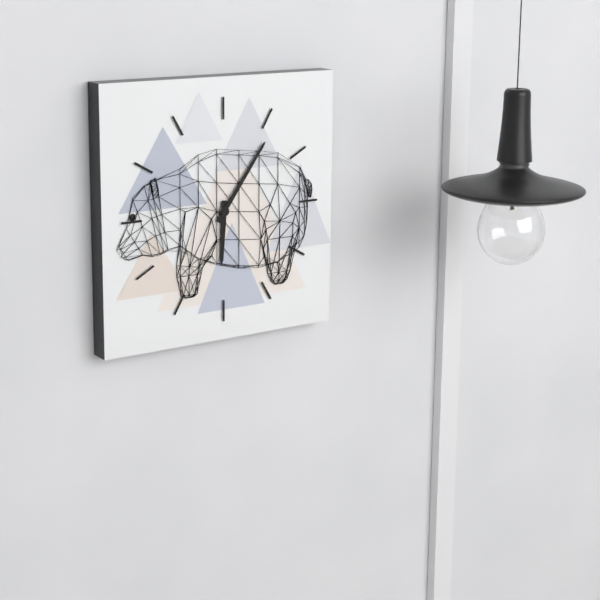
6:06
